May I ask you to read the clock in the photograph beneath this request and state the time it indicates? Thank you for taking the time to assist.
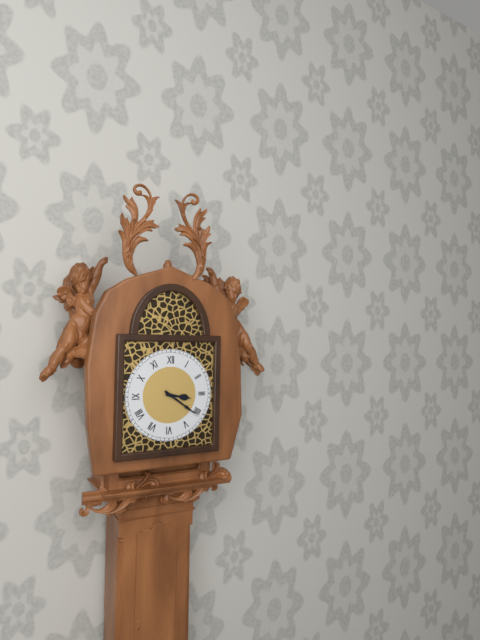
3:21
